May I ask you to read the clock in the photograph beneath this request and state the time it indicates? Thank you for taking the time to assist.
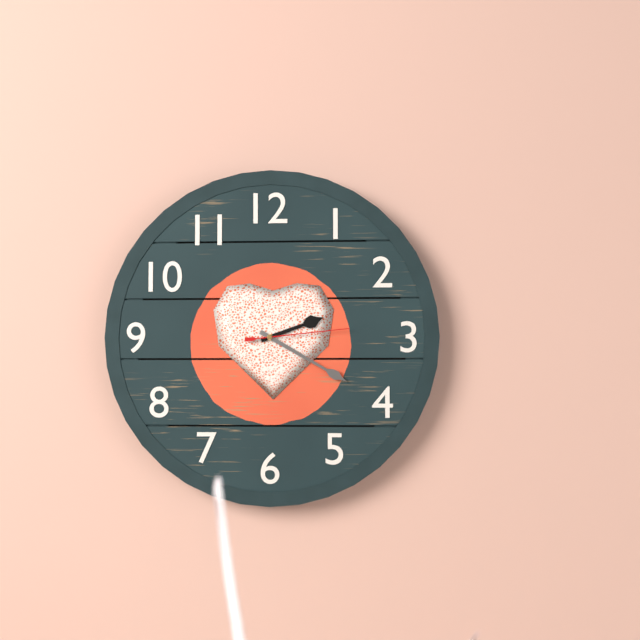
2:20:14
